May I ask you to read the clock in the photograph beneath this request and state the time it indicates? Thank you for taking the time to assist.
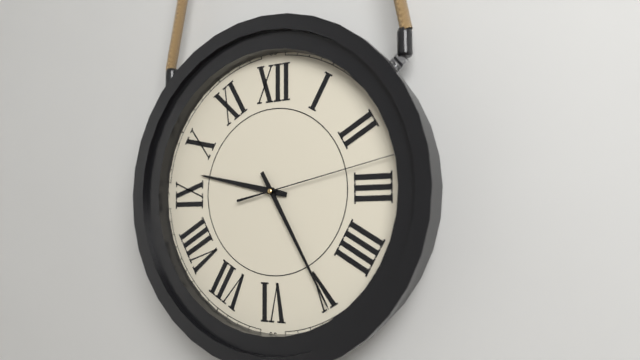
9:25:13
